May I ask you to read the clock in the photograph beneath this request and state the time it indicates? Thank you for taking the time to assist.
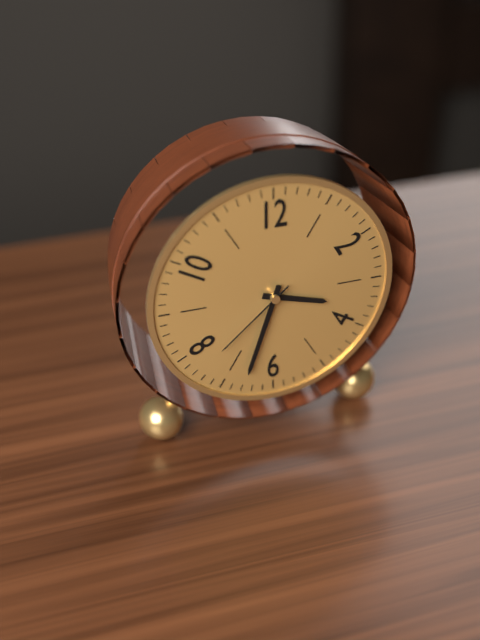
3:33:38
